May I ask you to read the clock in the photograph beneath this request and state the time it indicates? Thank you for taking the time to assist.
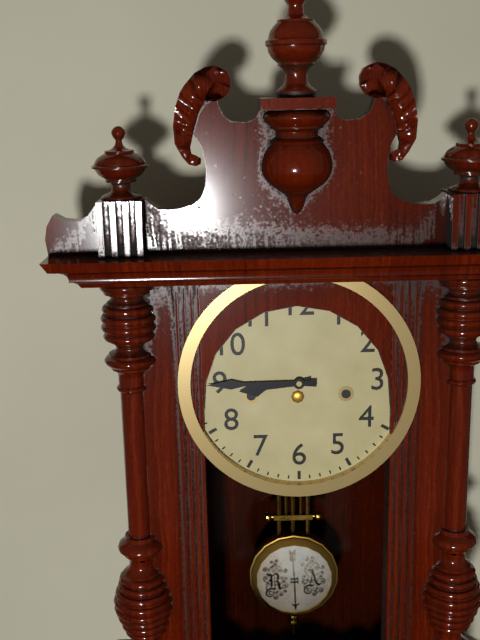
8:45
